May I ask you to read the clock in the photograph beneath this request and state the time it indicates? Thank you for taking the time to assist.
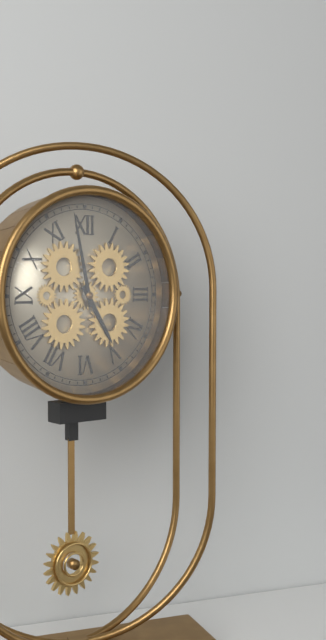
4:58
